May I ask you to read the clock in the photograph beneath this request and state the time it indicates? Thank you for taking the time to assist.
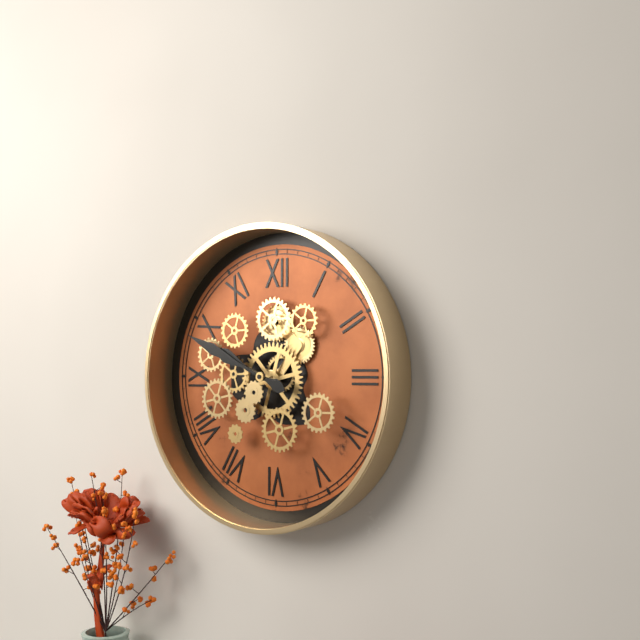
9:49
